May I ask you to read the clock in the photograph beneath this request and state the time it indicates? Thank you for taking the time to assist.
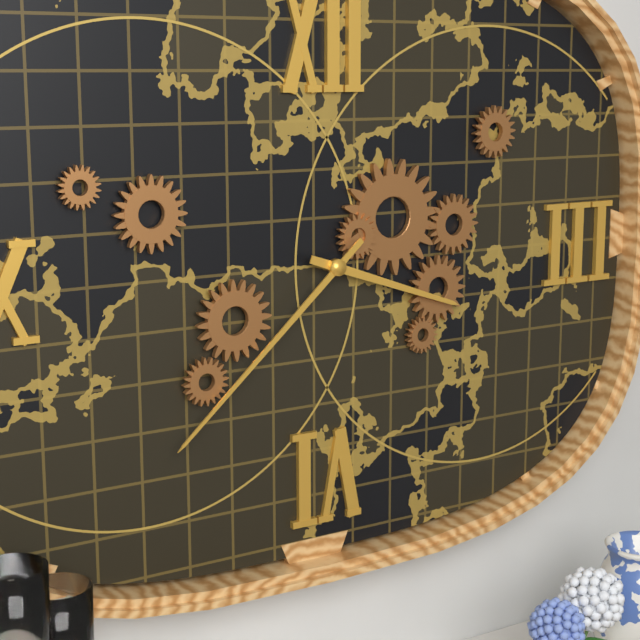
3:38
